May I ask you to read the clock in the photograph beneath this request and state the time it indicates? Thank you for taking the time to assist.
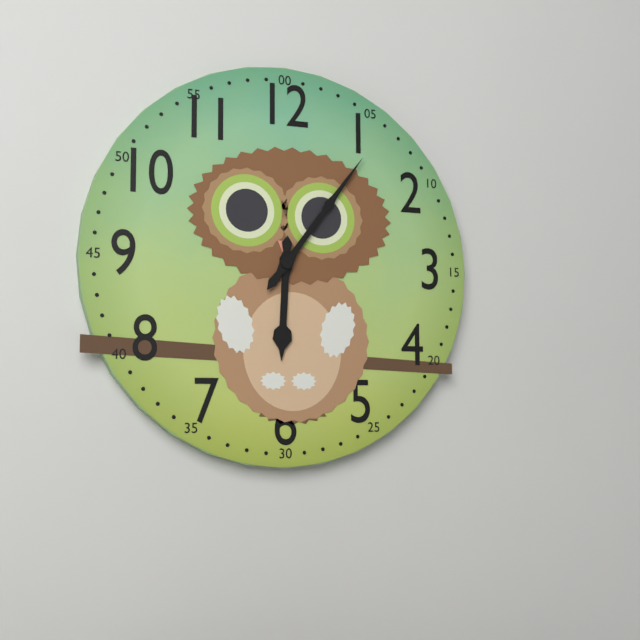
6:06
